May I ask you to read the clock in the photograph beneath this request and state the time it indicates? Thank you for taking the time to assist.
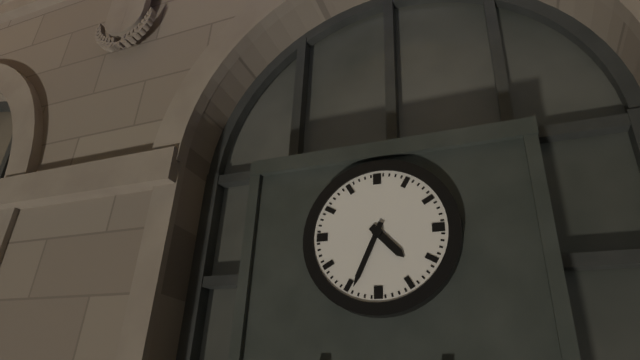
4:34
